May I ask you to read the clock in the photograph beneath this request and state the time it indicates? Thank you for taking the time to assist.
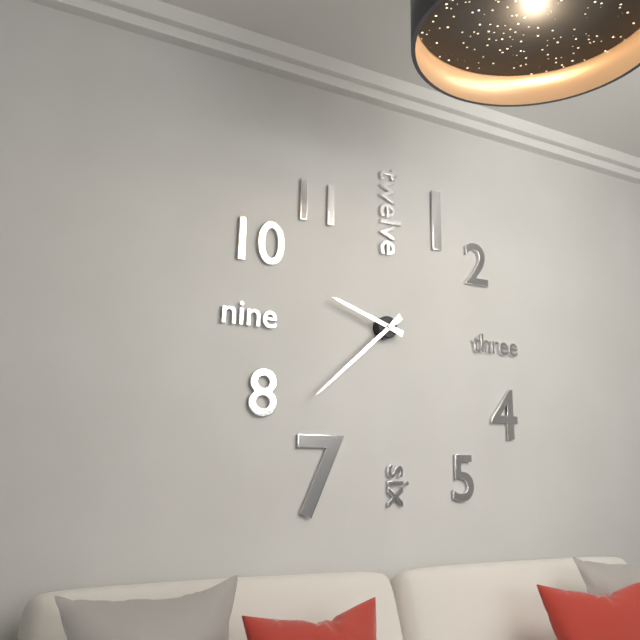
9:38
